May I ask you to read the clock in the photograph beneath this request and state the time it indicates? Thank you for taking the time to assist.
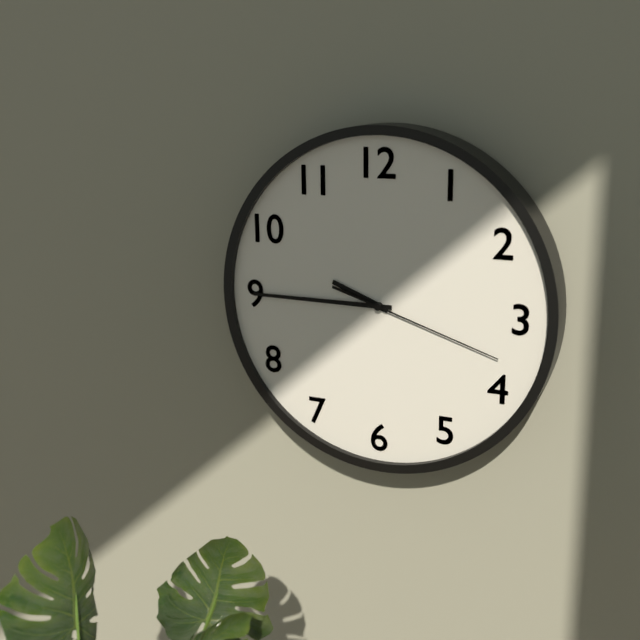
9:45:18
